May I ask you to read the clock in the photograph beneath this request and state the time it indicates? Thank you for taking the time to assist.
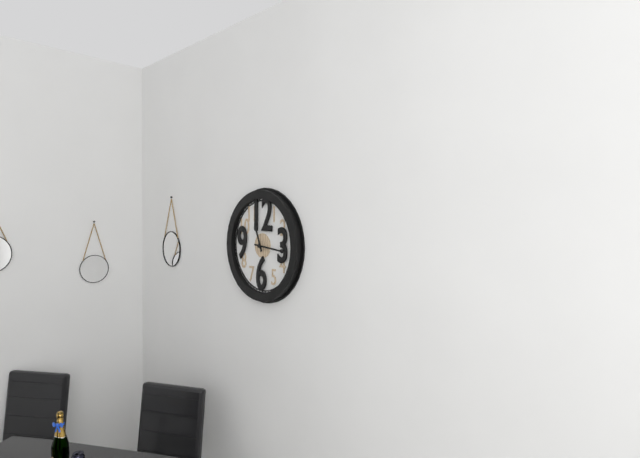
11:16
